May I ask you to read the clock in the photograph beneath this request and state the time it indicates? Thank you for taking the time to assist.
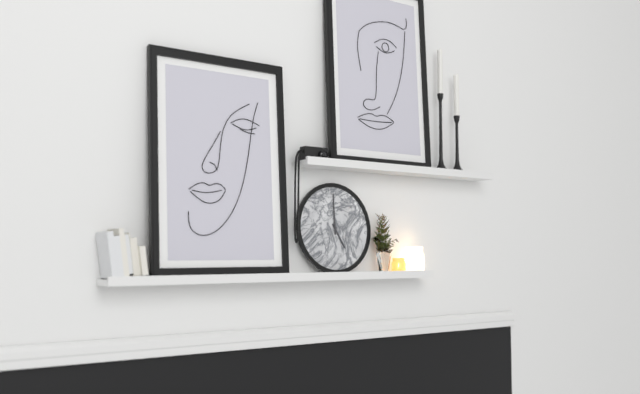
5:00
